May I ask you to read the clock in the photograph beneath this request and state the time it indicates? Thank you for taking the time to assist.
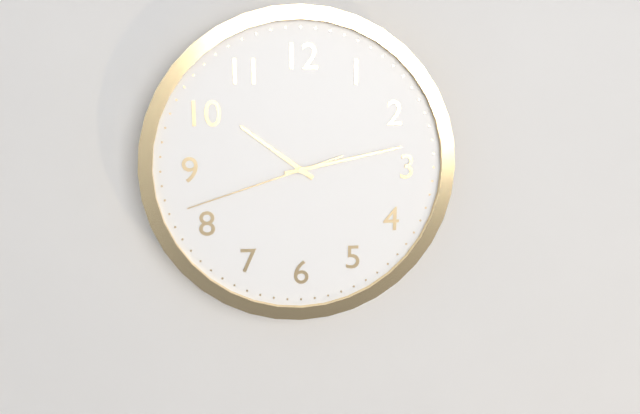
10:13:42
